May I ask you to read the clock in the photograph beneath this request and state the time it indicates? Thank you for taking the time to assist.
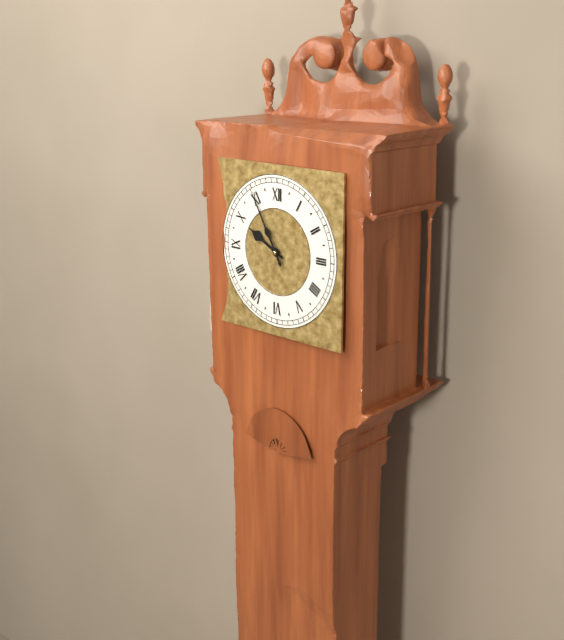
9:55
